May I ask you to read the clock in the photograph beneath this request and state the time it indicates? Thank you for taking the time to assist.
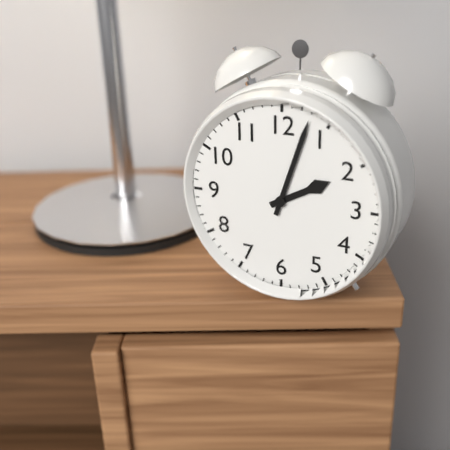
2:03
